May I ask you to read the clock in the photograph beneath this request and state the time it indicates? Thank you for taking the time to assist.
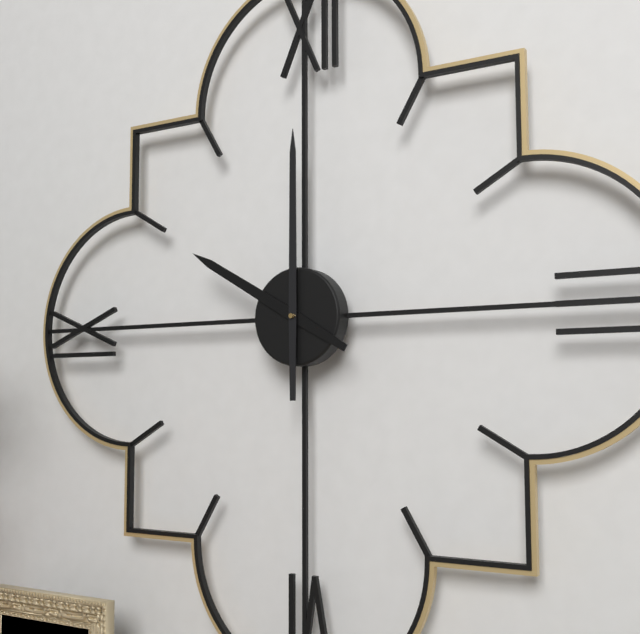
10:00
